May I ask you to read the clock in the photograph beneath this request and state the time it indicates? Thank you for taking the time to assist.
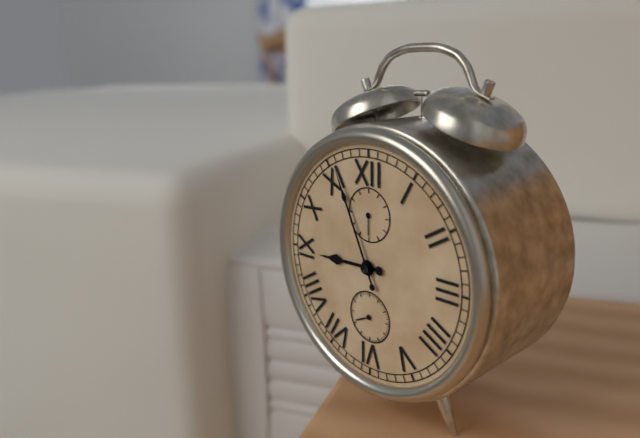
8:56
